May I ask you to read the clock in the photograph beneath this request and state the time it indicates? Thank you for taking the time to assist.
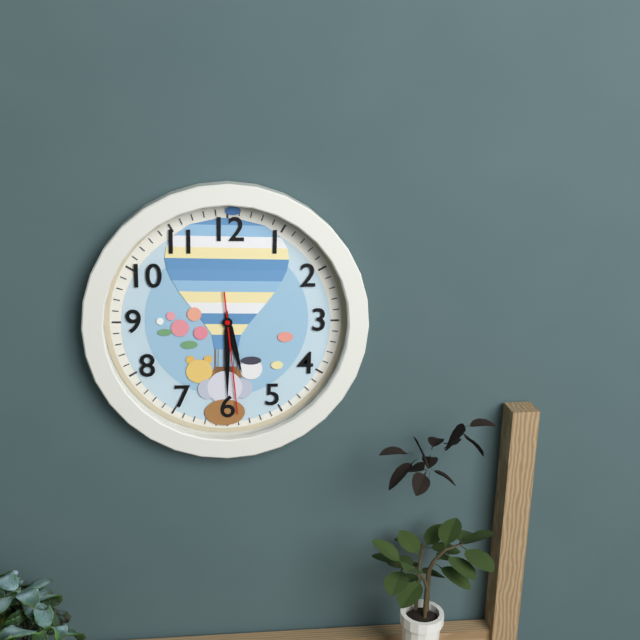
5:30:29
